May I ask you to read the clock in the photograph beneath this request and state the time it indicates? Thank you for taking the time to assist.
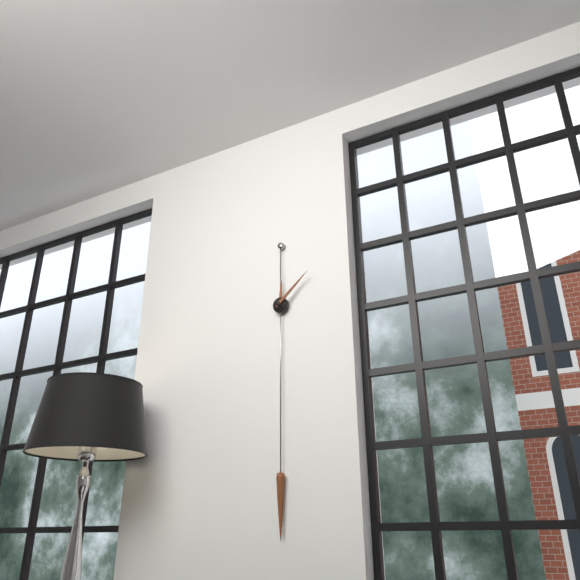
12:08
